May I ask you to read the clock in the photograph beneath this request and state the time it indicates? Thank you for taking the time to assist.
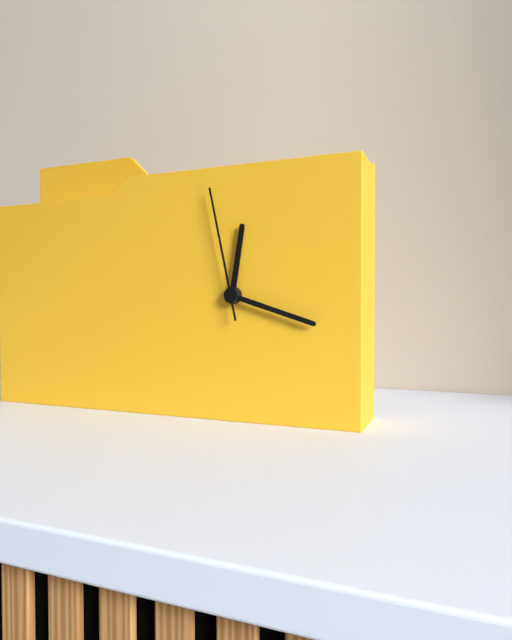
12:18:58
